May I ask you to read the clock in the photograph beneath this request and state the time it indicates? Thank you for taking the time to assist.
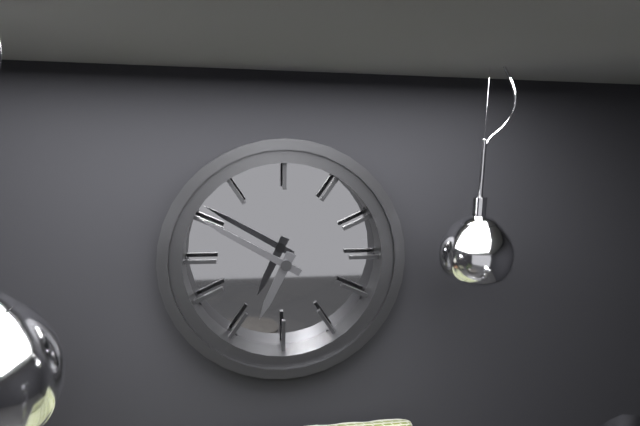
6:50
